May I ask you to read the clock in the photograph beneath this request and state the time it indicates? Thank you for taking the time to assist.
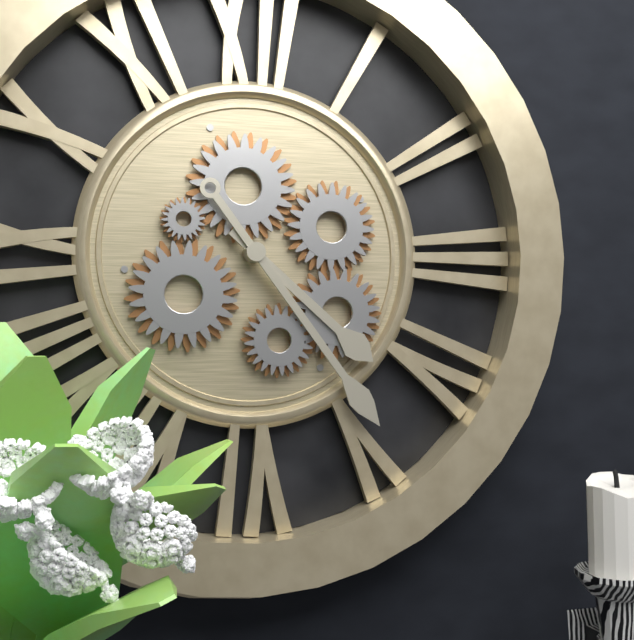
4:24
